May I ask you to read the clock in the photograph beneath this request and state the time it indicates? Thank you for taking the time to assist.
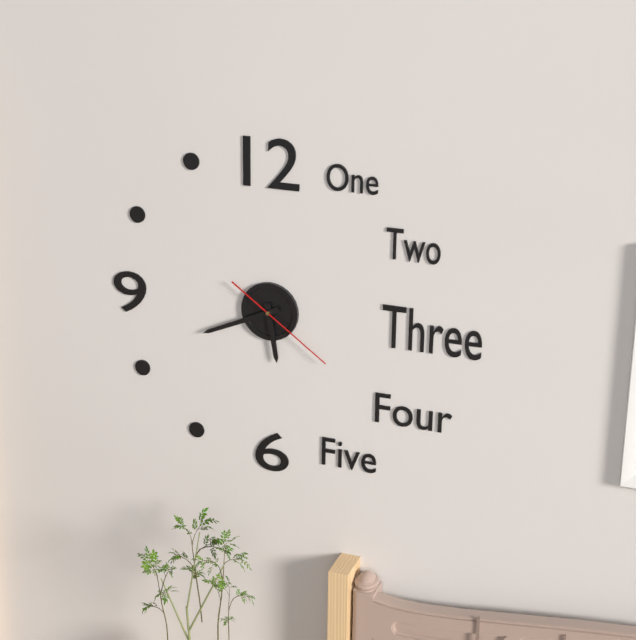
5:41:21
